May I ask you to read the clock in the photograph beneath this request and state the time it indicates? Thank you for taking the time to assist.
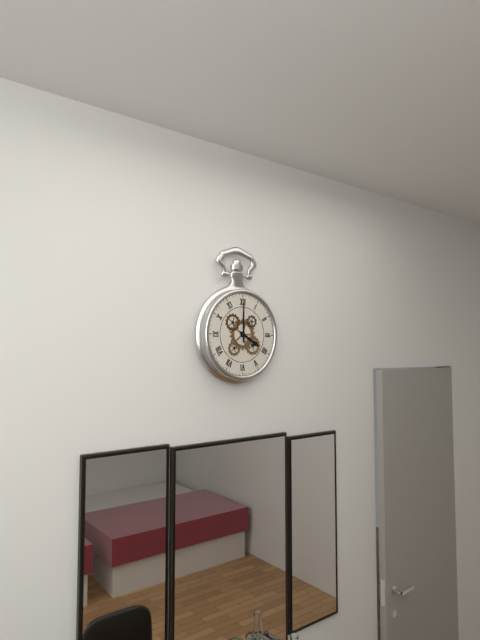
4:00
